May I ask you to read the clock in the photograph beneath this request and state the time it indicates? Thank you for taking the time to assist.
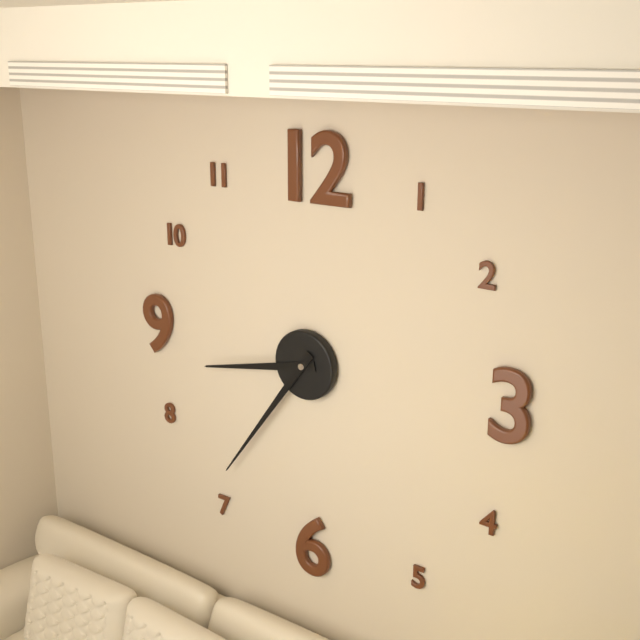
8:36
